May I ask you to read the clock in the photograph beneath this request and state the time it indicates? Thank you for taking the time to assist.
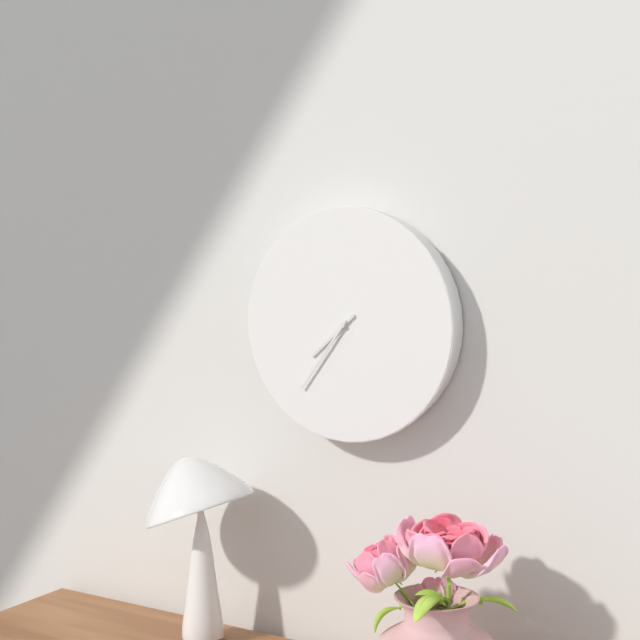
7:36
